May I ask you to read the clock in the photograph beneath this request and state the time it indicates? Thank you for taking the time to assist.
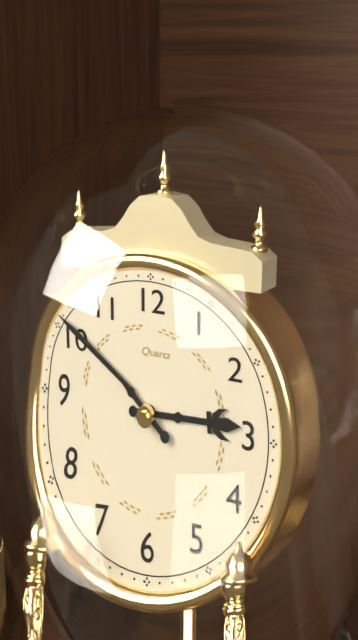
2:51
